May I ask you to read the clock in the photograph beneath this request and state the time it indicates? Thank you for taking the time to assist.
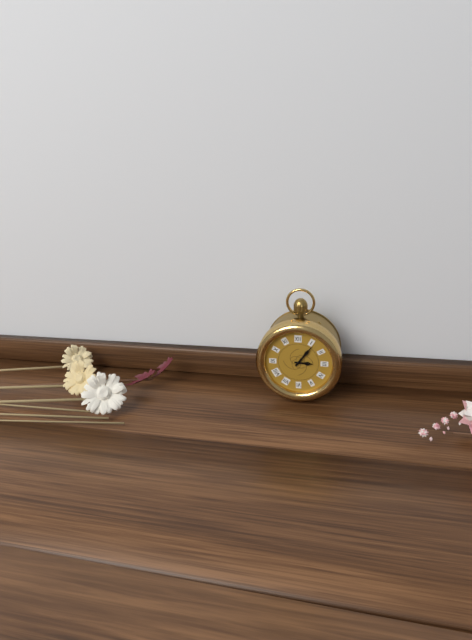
3:06
